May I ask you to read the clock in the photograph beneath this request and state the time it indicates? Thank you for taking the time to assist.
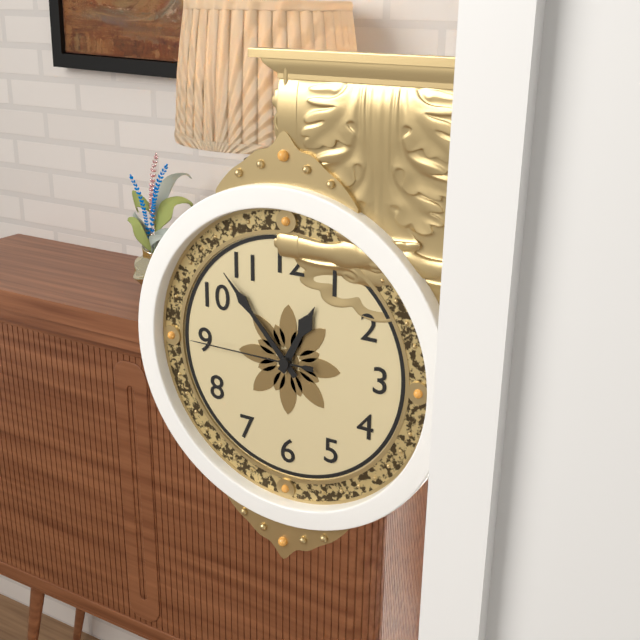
12:53:45
